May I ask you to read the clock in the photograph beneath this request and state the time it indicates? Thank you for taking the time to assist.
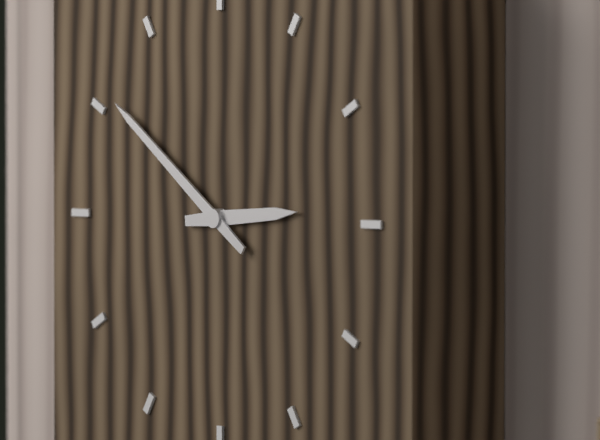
2:51
